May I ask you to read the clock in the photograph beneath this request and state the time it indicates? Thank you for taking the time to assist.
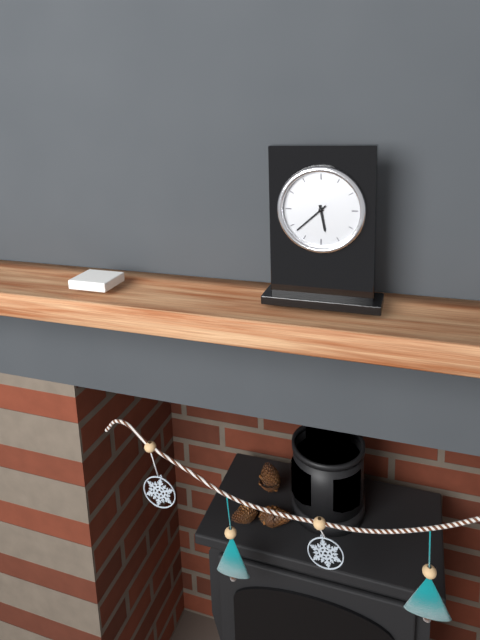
5:38
